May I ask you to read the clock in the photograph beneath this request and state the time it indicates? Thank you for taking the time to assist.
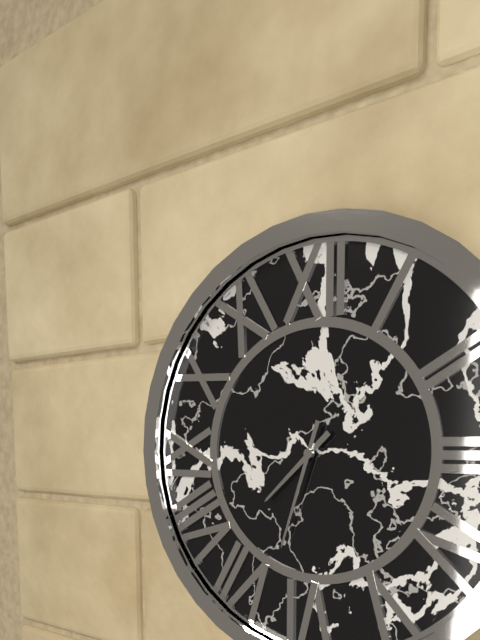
7:33
